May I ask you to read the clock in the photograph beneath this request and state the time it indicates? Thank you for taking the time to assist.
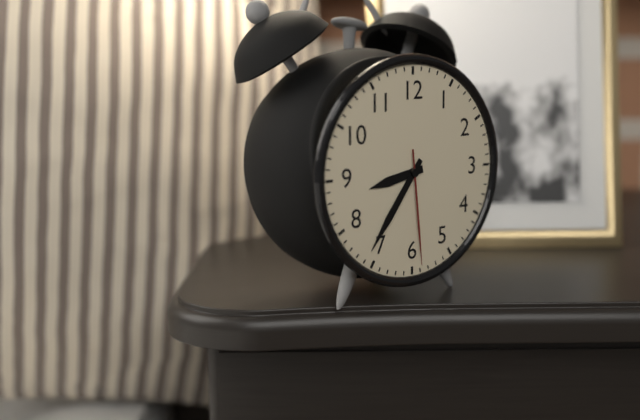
8:36:29
